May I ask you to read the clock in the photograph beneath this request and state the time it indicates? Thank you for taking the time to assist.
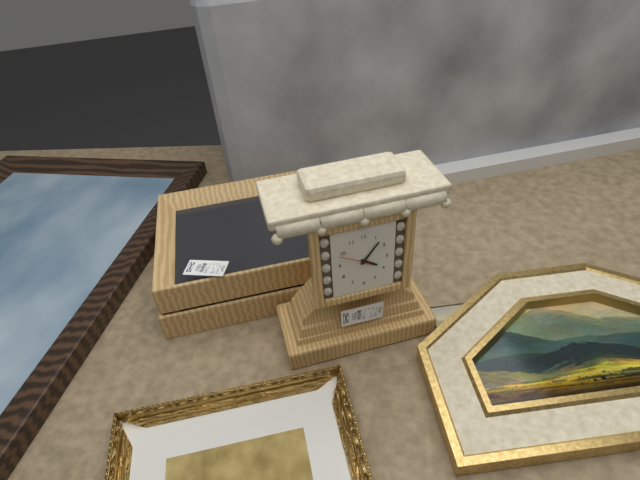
4:06
